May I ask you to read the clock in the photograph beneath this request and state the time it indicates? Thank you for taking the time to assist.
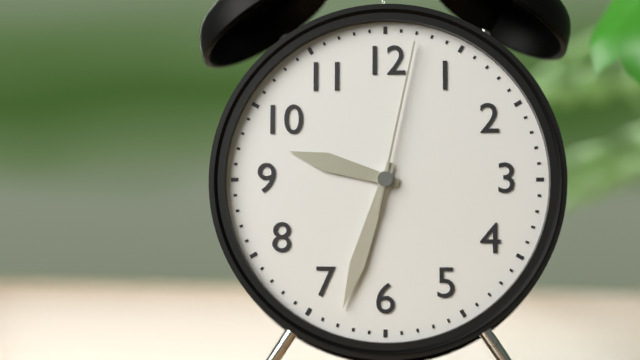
9:33:02
